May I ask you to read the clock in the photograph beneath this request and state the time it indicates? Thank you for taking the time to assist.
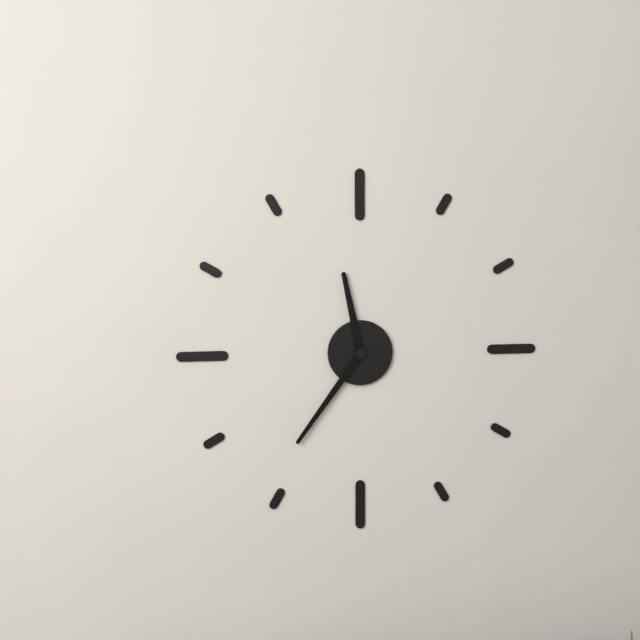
11:36
